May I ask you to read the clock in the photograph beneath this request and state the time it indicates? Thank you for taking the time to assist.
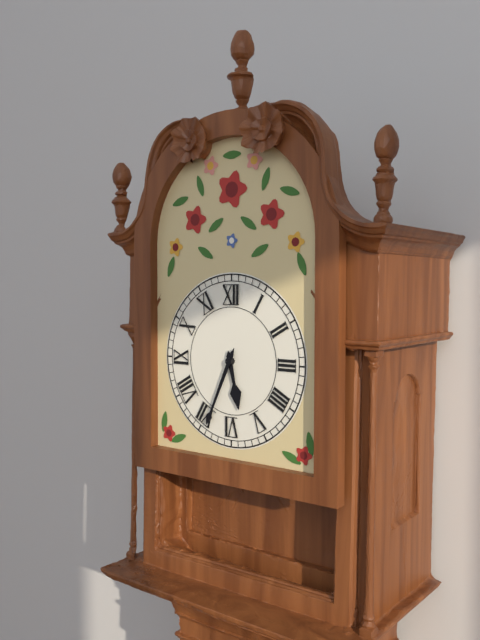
5:34
